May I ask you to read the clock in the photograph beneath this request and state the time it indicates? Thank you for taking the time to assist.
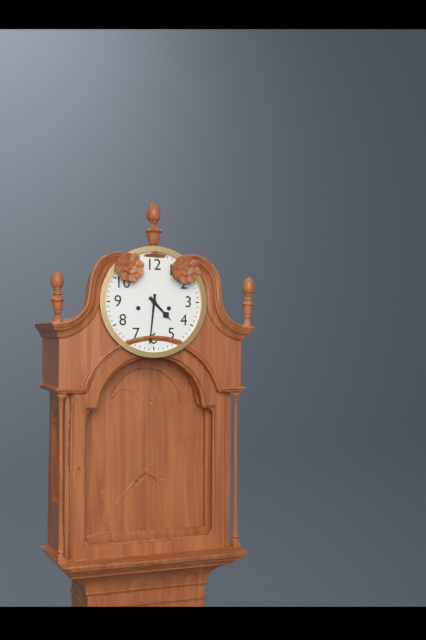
4:31
